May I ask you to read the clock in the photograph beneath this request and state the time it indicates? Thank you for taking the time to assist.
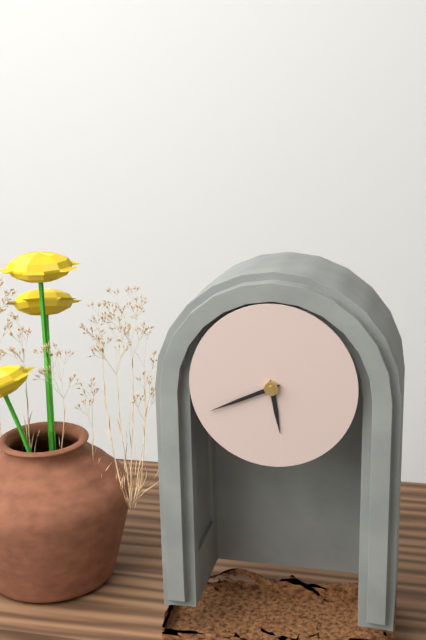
5:41
